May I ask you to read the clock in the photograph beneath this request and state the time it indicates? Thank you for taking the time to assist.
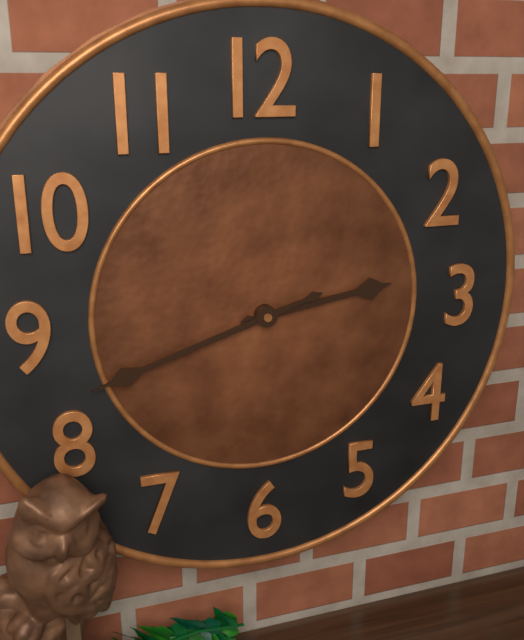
2:42
